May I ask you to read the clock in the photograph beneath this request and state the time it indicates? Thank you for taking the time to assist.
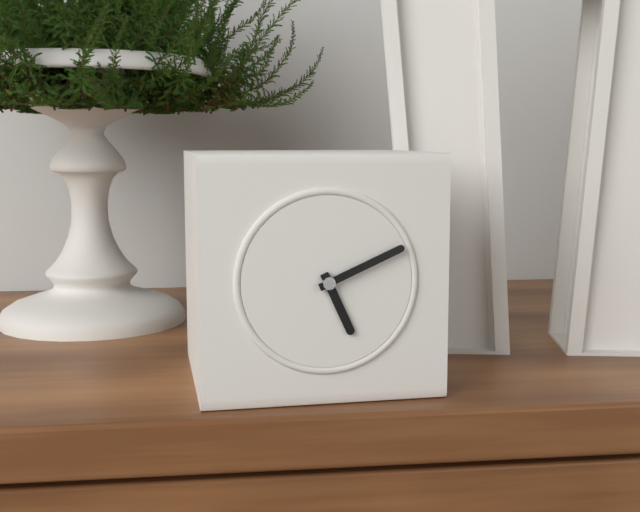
5:11
